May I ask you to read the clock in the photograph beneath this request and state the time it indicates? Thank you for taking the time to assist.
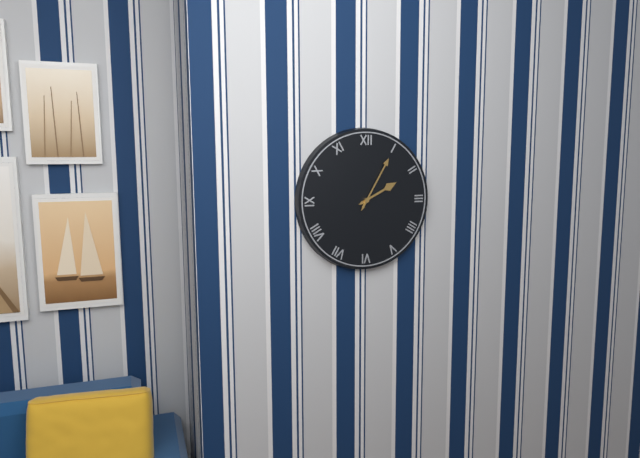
2:05
